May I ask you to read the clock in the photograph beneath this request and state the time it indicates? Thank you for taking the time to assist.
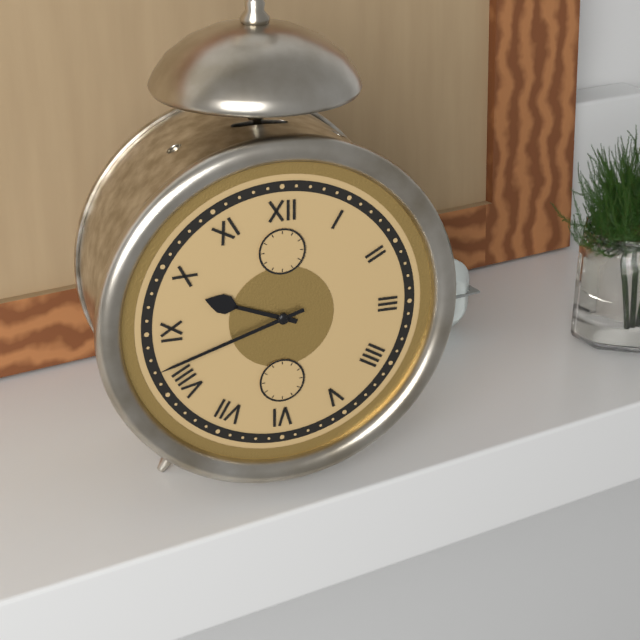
9:42
